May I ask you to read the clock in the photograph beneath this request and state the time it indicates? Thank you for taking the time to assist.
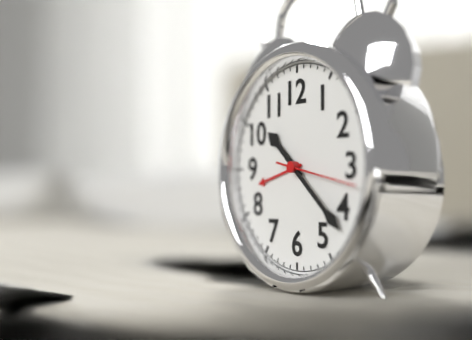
10:22:17
